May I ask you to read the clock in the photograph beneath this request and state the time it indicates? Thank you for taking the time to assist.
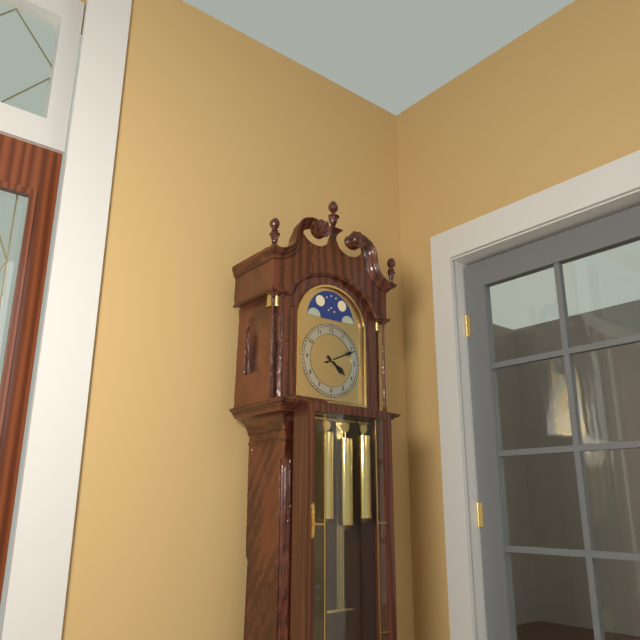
4:11
